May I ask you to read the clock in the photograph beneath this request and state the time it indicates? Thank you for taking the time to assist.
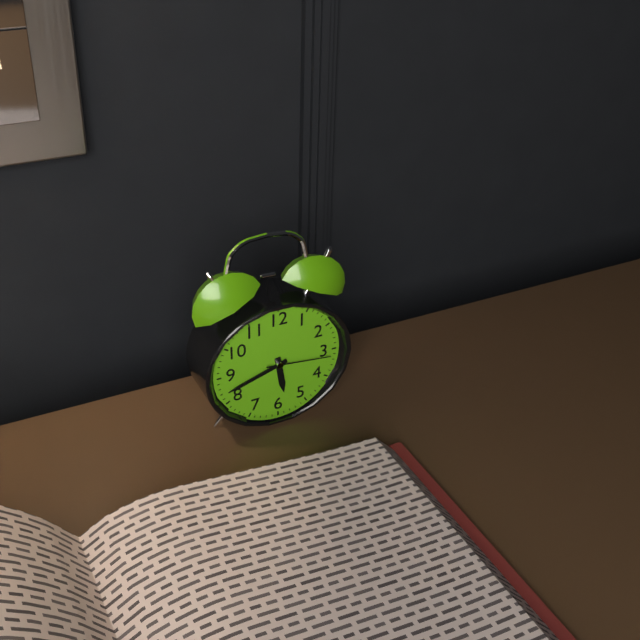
5:42:16
